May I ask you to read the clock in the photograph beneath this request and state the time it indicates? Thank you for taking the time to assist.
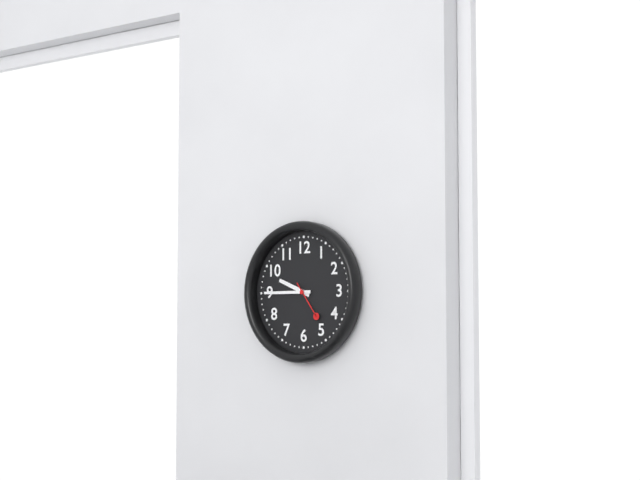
9:45
